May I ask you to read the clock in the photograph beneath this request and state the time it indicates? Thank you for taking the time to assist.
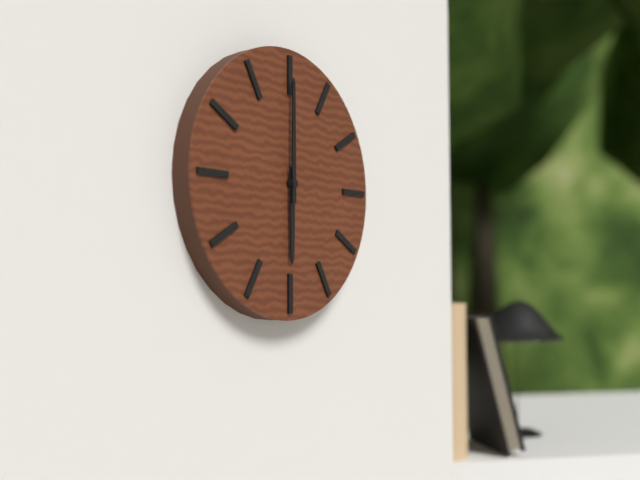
6:00
